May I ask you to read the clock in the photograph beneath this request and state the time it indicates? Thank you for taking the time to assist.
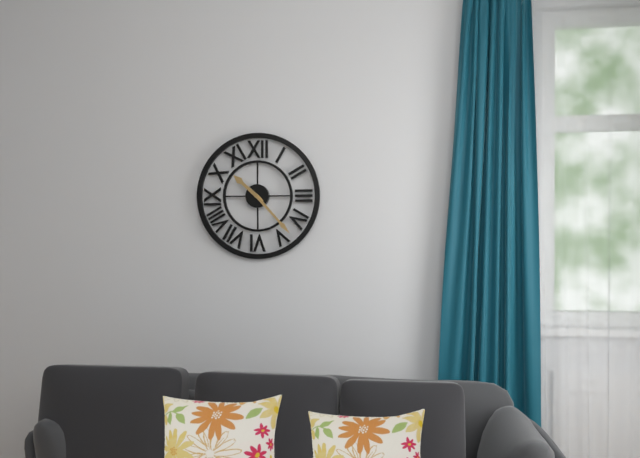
10:23
